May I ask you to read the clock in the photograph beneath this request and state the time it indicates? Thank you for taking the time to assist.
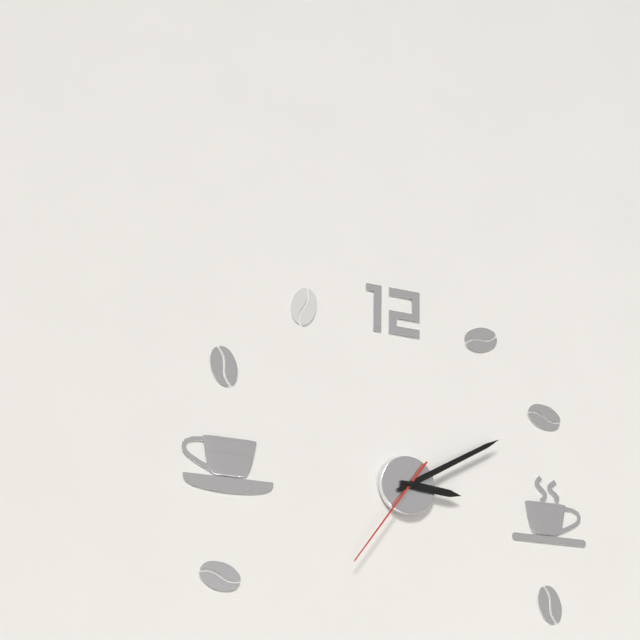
3:10:36
